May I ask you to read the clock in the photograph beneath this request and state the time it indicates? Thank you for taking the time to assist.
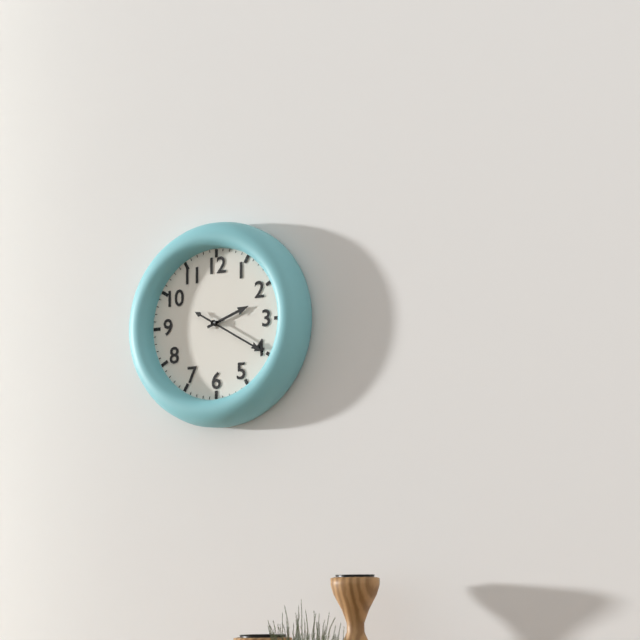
2:20
